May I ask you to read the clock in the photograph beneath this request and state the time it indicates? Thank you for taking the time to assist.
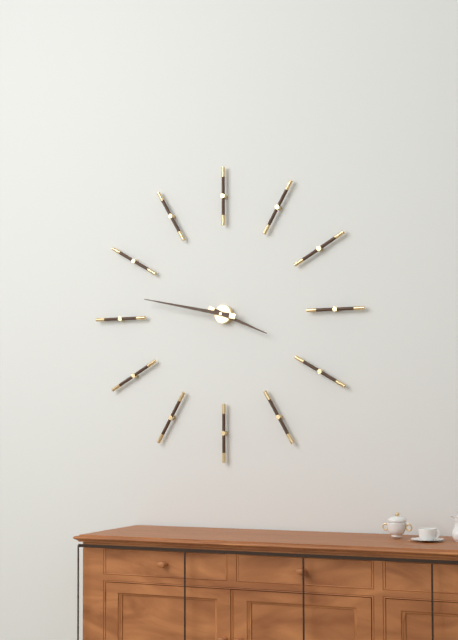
3:47
